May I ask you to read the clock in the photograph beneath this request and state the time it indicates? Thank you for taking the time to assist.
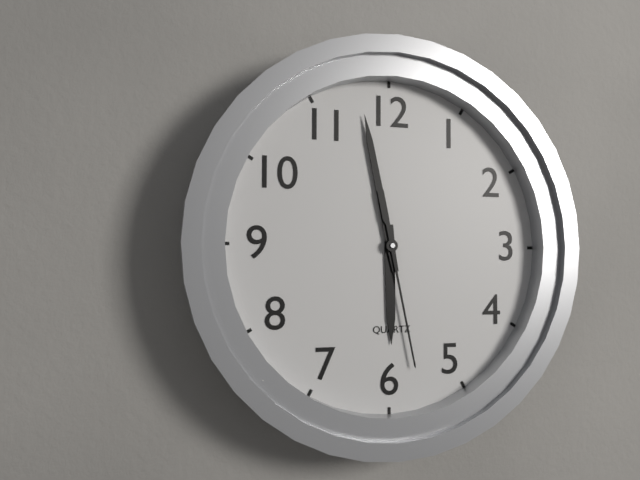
5:58:28
